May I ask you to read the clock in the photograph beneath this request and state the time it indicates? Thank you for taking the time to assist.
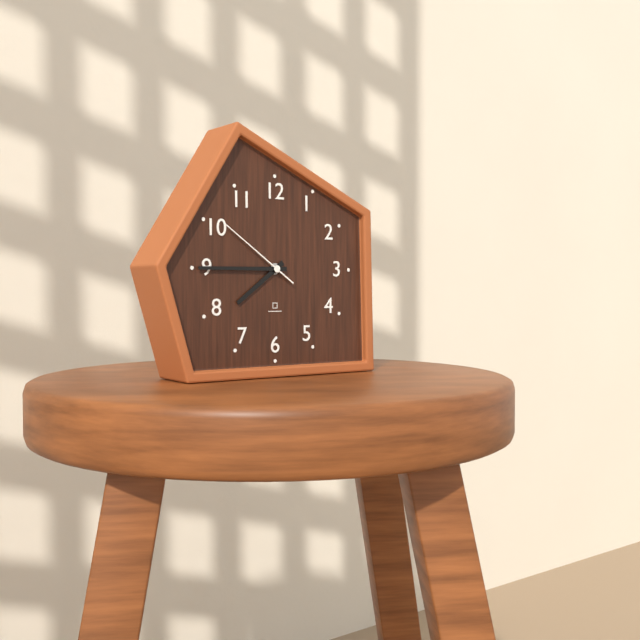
7:45:51
